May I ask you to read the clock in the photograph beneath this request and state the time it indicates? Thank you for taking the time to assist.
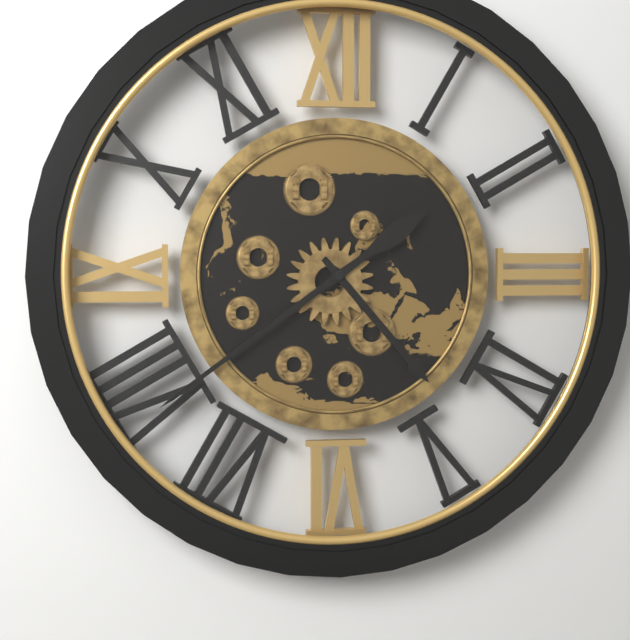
4:39
